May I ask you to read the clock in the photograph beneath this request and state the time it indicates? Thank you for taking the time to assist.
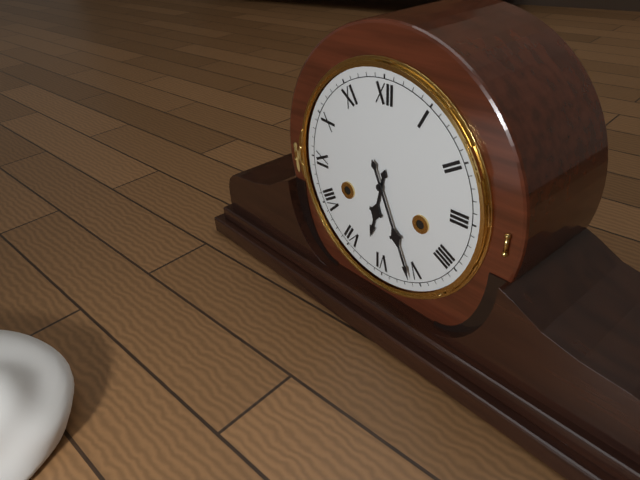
6:26
